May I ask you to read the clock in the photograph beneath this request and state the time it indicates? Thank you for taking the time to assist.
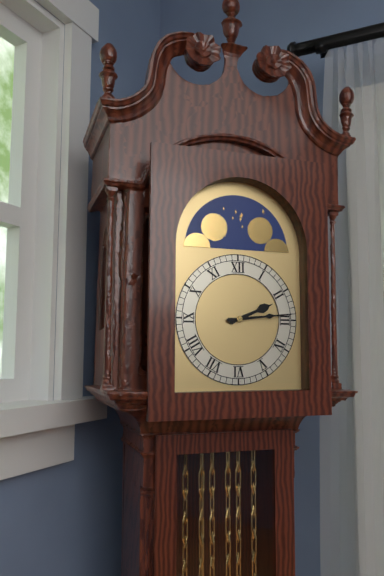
2:14
